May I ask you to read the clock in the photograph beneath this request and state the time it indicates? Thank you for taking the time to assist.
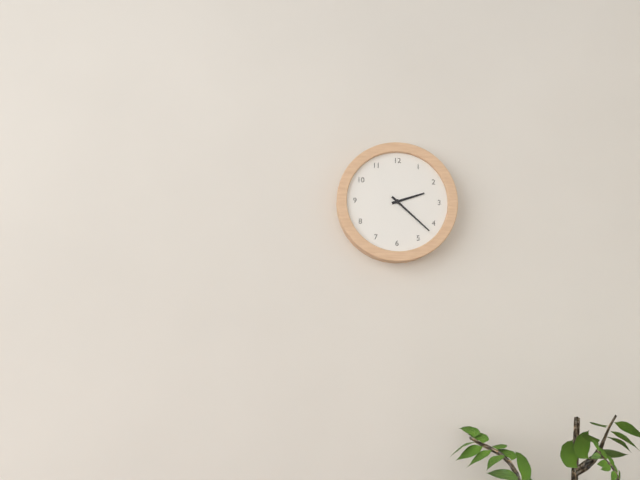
2:22
